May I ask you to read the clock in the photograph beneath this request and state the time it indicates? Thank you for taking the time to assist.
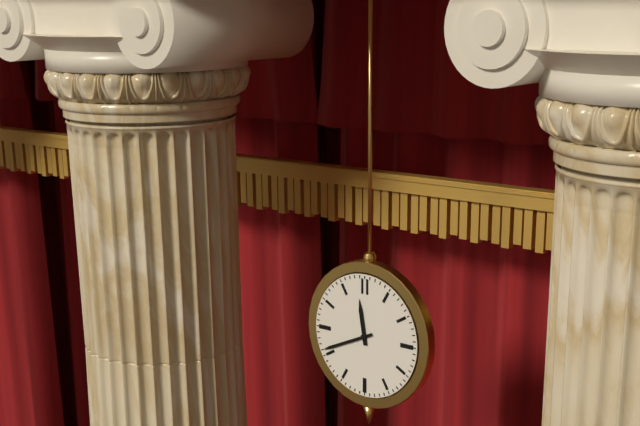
11:41
